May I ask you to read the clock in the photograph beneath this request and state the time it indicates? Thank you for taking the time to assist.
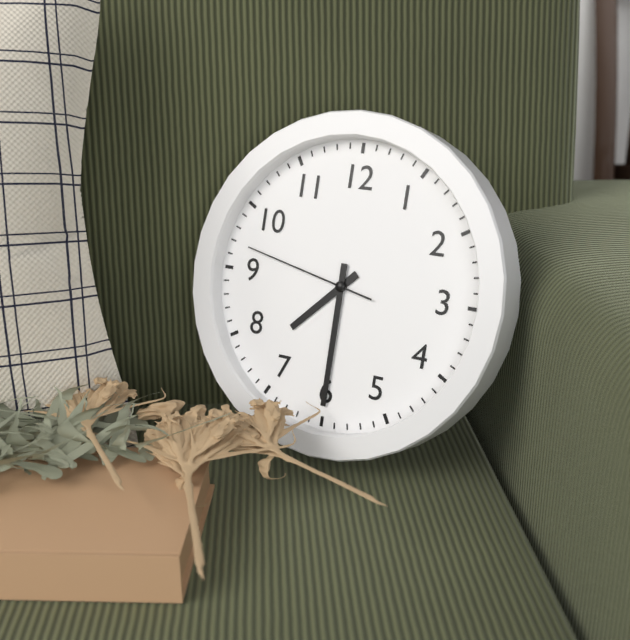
7:30:47
